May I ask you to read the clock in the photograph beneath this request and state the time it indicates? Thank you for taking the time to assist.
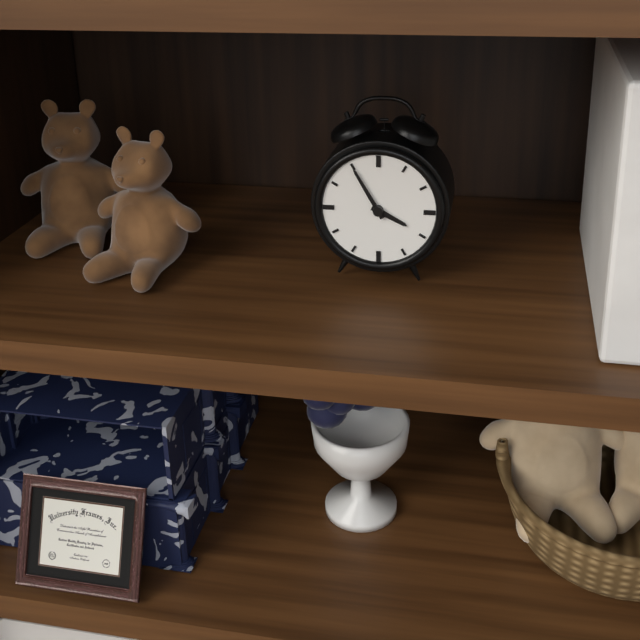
3:55
